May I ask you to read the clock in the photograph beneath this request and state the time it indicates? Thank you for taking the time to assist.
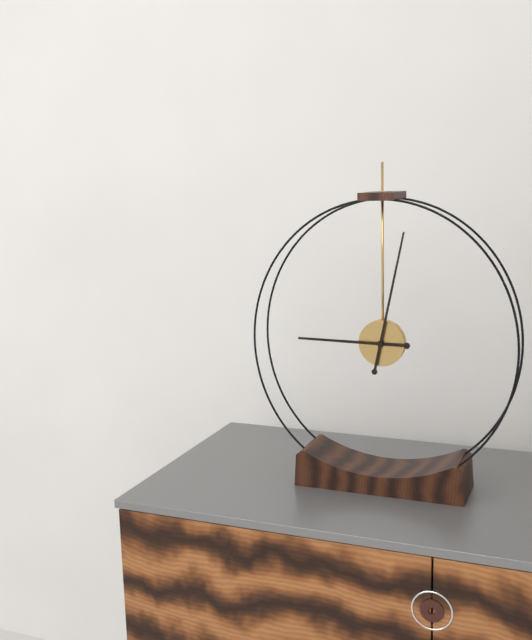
9:02
